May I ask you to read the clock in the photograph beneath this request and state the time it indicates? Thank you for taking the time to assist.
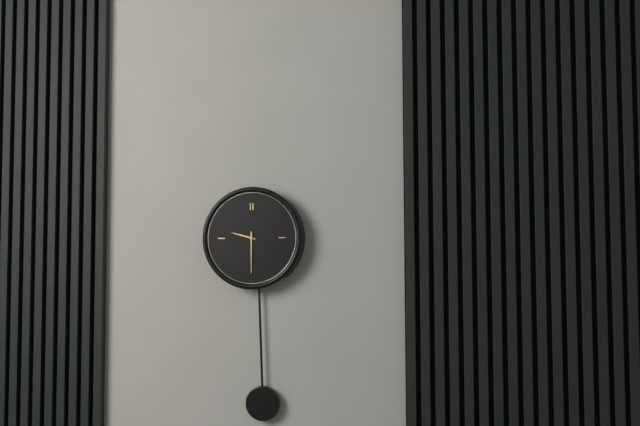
9:30
